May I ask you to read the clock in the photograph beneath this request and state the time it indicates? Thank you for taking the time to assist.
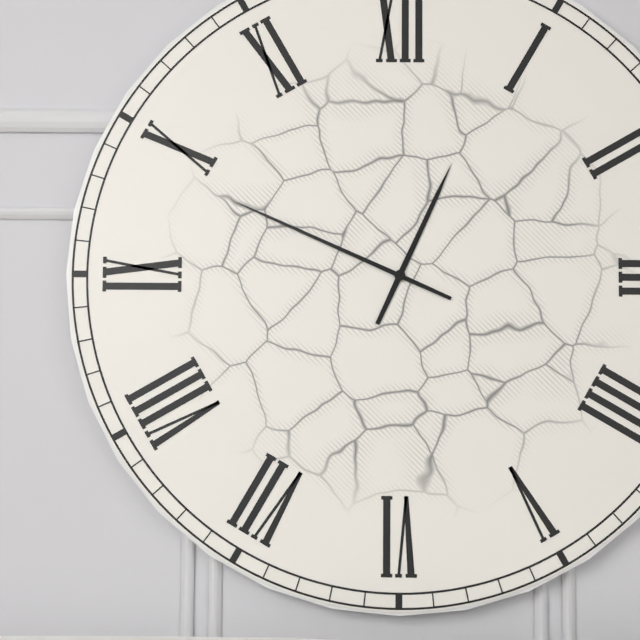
12:49
